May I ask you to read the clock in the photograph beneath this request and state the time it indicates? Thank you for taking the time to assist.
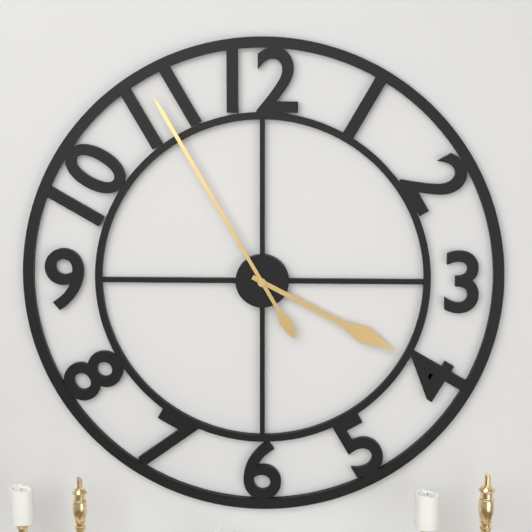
3:55
